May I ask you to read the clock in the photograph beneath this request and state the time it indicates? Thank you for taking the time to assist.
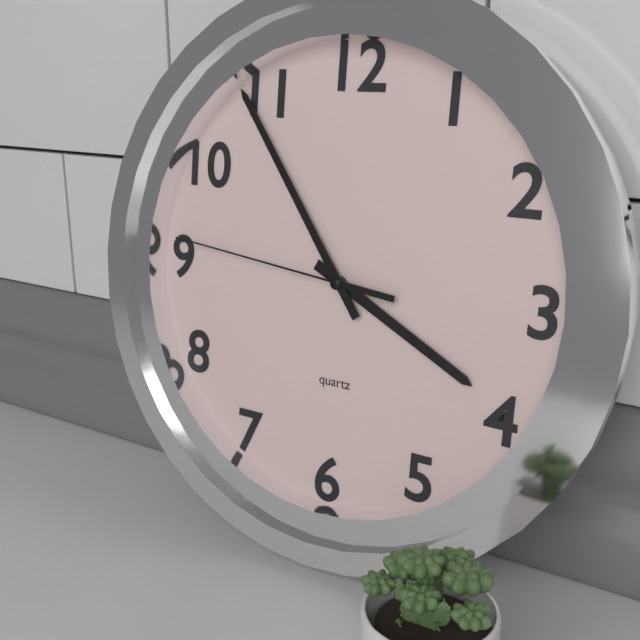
3:54:46
